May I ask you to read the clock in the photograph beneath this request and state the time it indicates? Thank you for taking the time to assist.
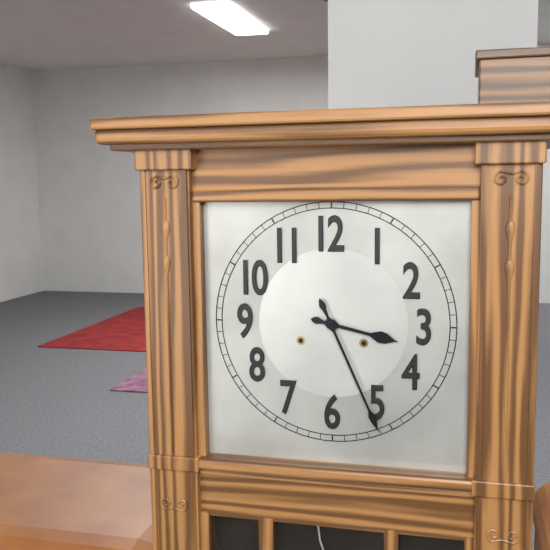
3:26
